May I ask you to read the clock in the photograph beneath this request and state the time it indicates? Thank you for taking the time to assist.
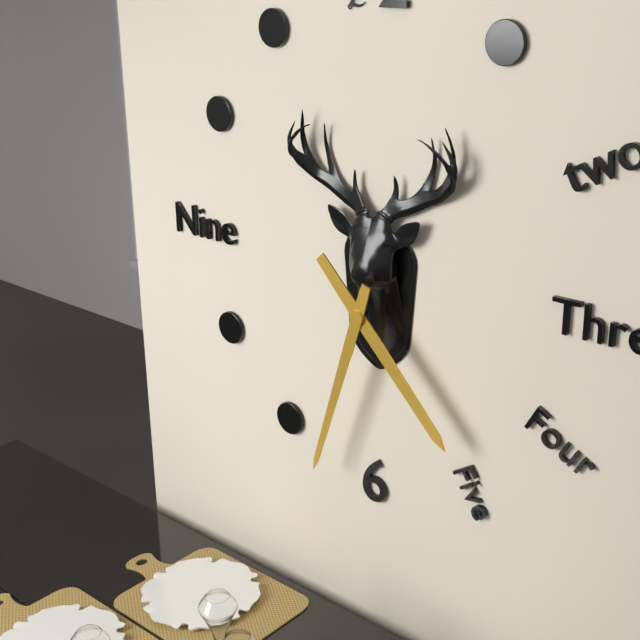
4:33
